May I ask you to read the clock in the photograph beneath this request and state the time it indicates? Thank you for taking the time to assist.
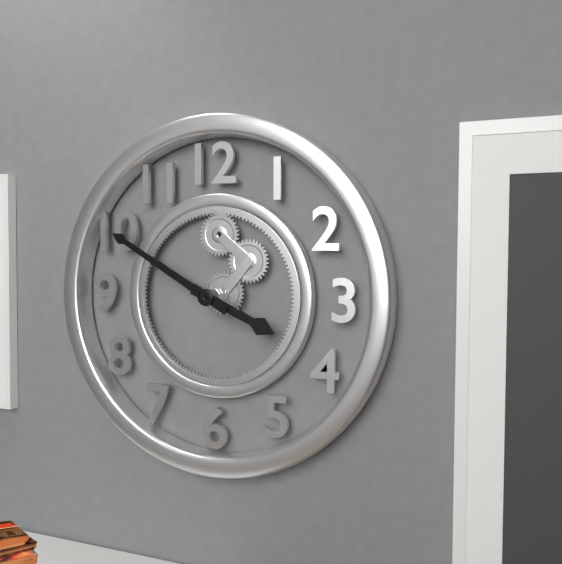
3:50
